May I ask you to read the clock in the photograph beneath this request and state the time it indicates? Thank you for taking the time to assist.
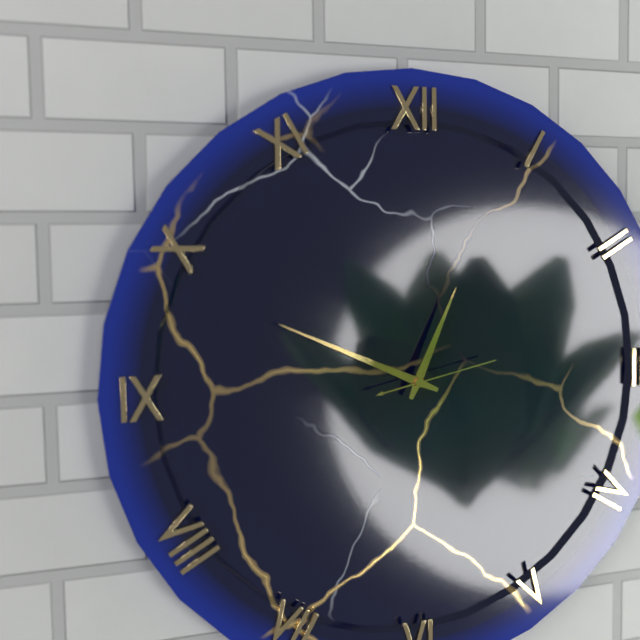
12:49:13
